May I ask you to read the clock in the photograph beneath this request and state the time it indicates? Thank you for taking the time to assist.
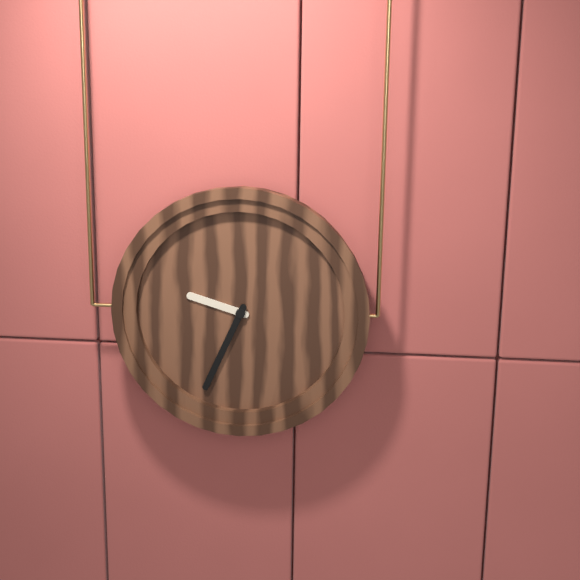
9:34
